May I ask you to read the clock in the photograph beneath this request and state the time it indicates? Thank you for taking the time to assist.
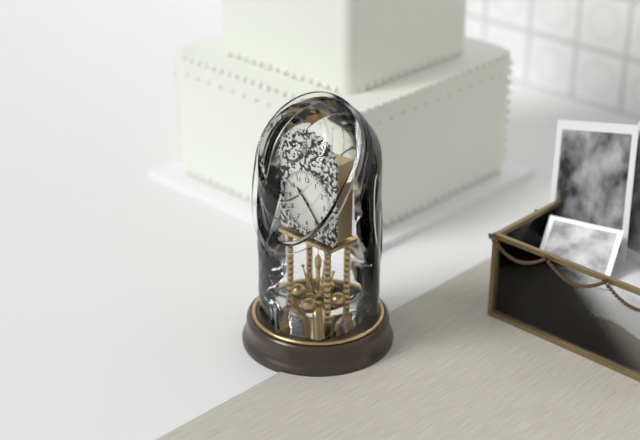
10:23
